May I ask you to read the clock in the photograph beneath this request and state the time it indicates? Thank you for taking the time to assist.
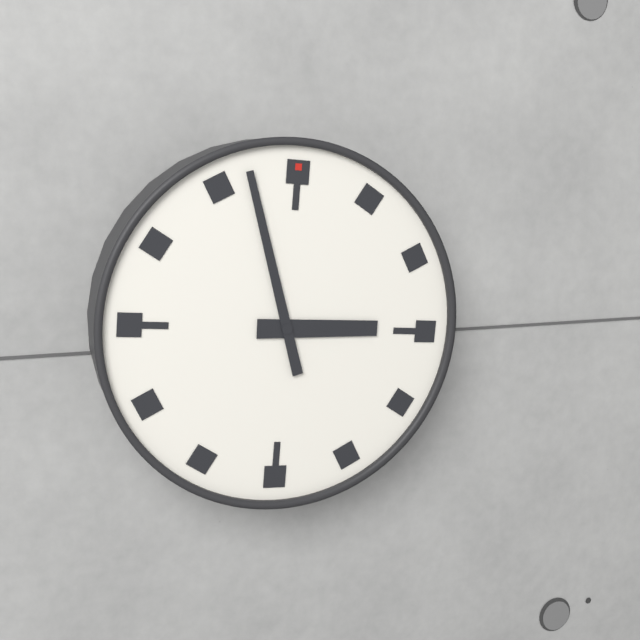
2:57
